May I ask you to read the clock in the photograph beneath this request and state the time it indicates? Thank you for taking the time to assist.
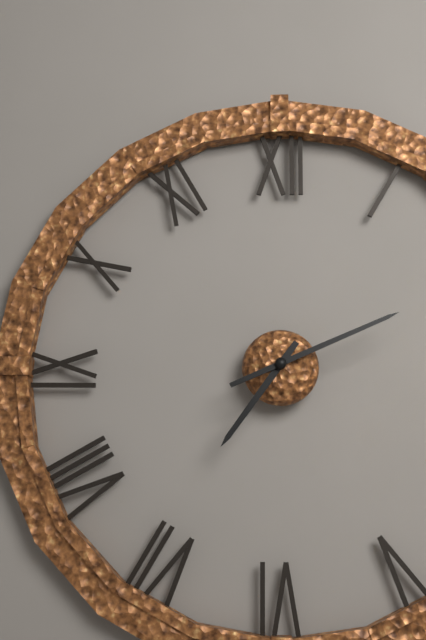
7:11
